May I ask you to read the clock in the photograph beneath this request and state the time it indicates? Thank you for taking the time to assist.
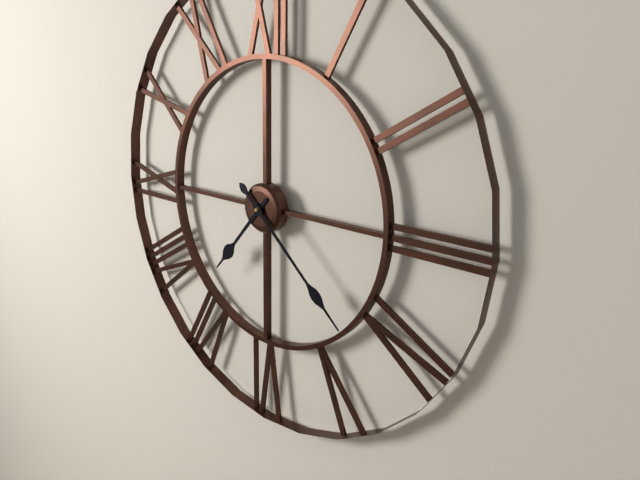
7:22
